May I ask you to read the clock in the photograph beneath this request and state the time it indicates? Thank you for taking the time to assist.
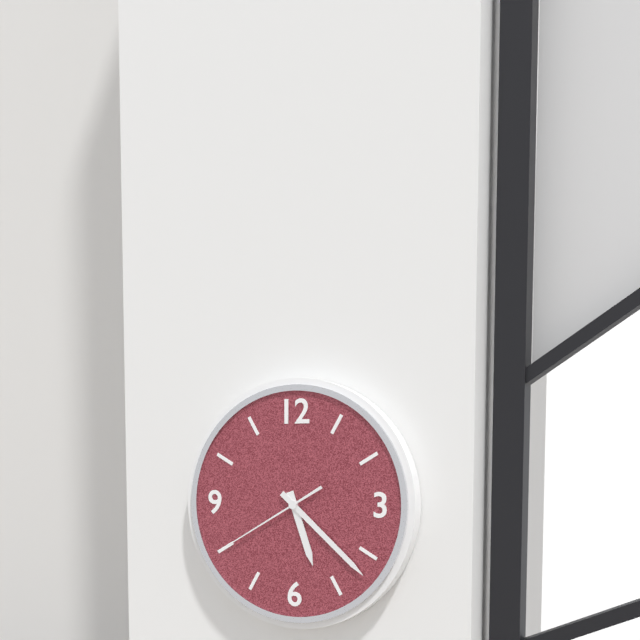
5:22:40
